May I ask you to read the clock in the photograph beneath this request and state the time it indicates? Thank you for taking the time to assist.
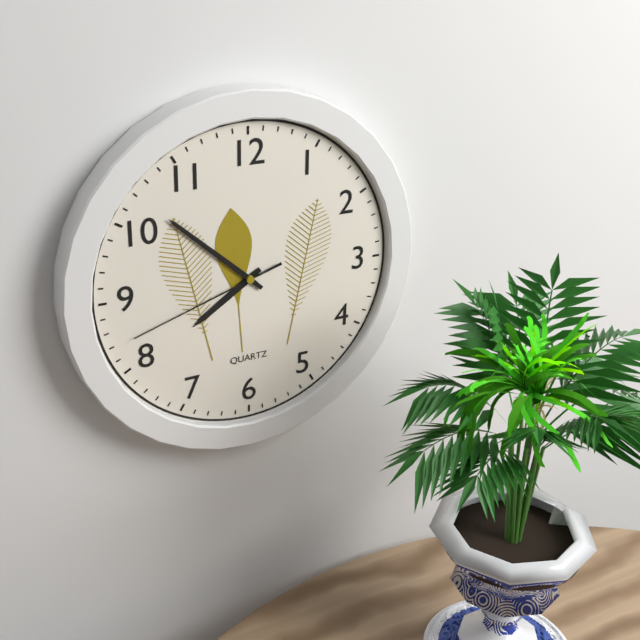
7:52:42
